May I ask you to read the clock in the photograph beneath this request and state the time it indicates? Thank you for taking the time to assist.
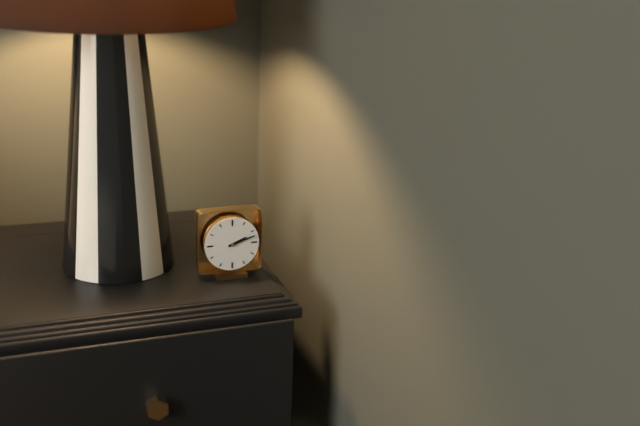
2:12
